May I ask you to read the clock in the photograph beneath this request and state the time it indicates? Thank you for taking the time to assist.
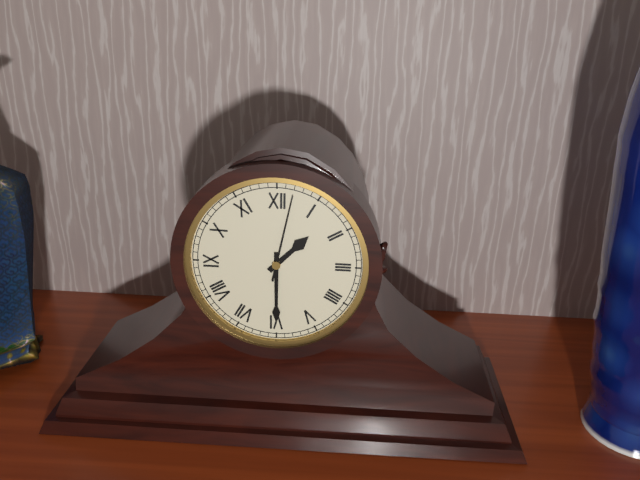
1:30:02
